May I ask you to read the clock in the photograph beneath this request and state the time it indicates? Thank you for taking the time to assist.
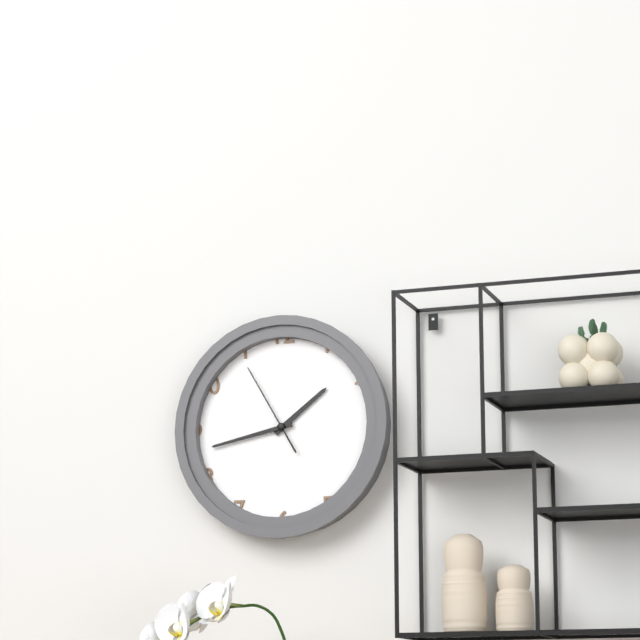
1:43:55
